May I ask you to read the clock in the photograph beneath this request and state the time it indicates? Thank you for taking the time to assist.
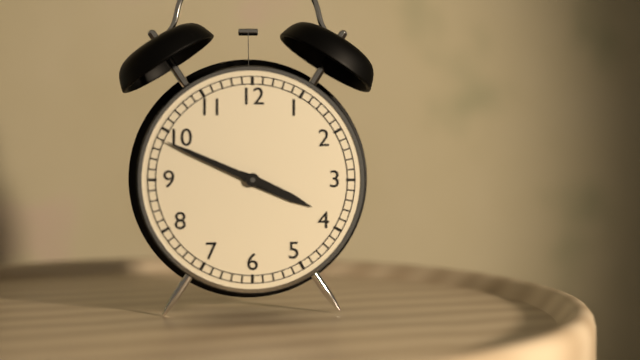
3:49
